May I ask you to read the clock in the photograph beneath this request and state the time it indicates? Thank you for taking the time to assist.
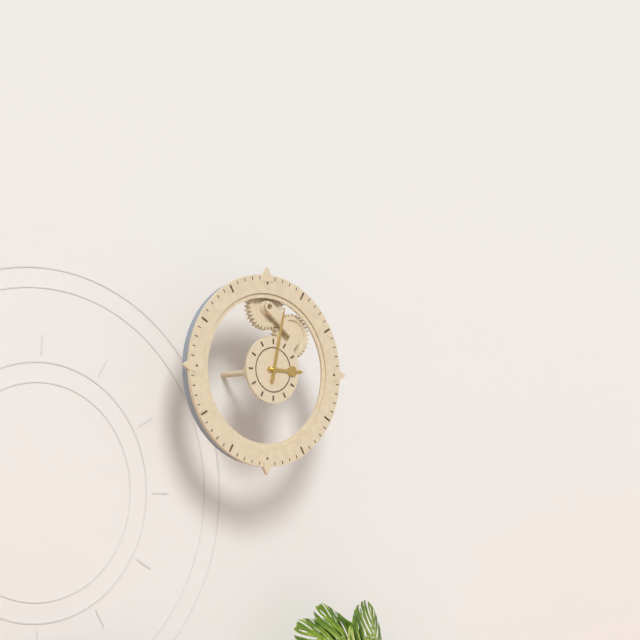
3:02
